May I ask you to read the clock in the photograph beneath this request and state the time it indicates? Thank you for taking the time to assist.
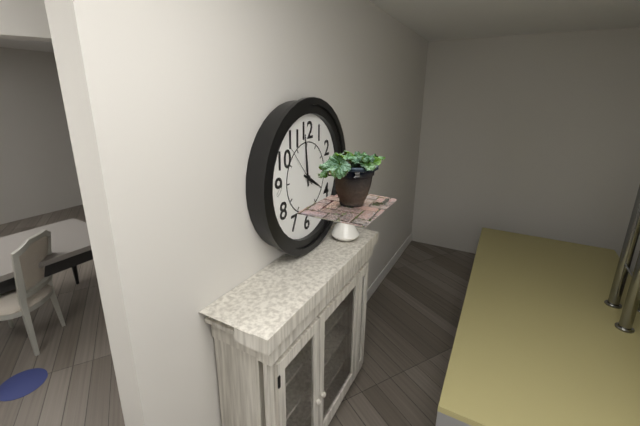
3:59
